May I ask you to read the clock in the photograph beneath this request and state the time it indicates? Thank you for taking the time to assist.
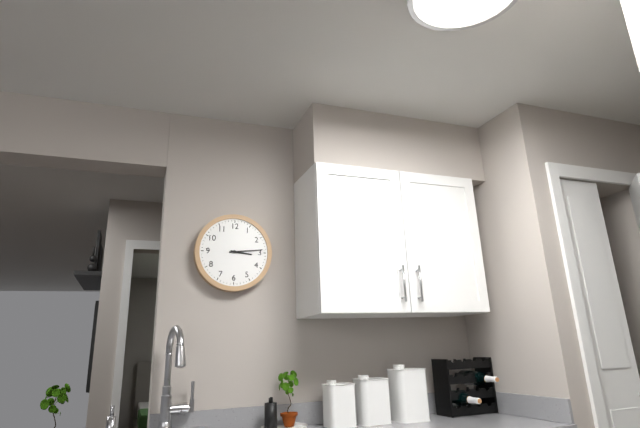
3:14
